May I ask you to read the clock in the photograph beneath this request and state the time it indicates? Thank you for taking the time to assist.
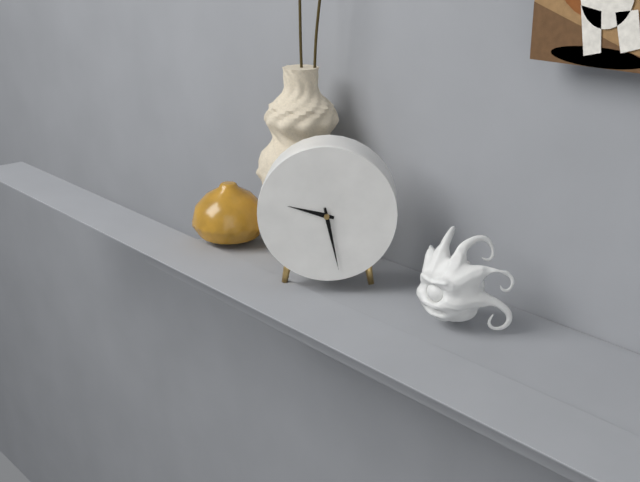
9:28
